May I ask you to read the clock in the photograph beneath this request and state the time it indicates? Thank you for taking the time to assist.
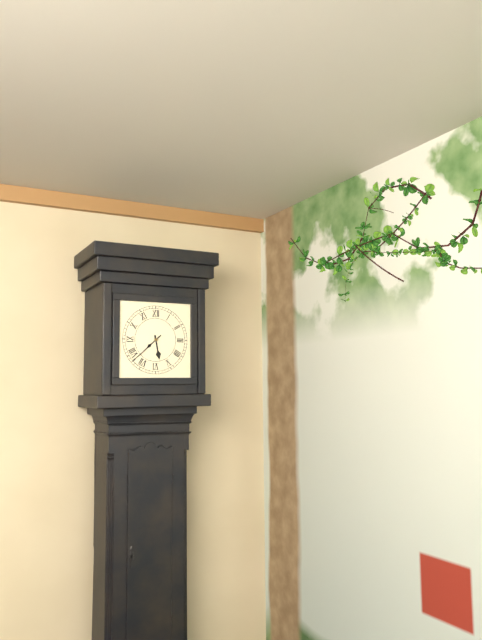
5:38
